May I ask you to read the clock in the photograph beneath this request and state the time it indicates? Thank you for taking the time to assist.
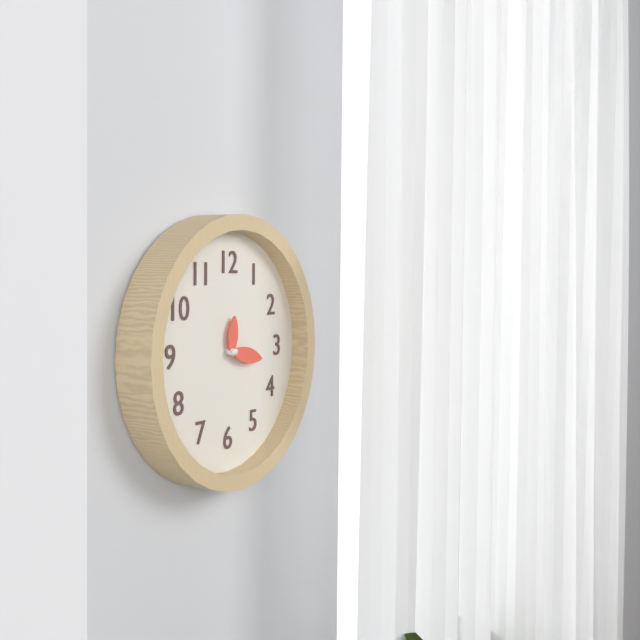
12:17
